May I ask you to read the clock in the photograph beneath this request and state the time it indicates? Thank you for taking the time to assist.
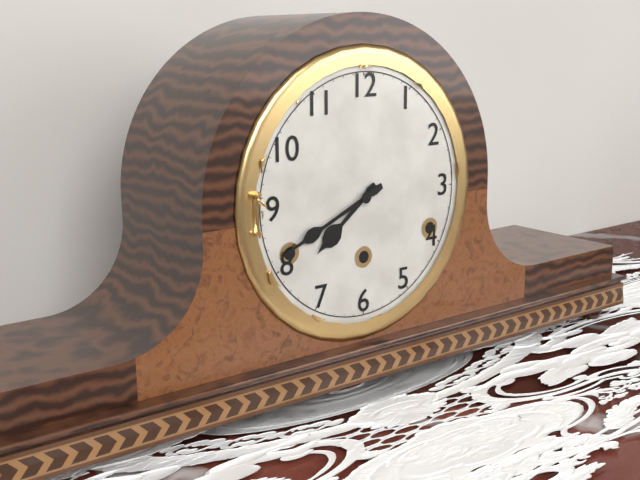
7:41
